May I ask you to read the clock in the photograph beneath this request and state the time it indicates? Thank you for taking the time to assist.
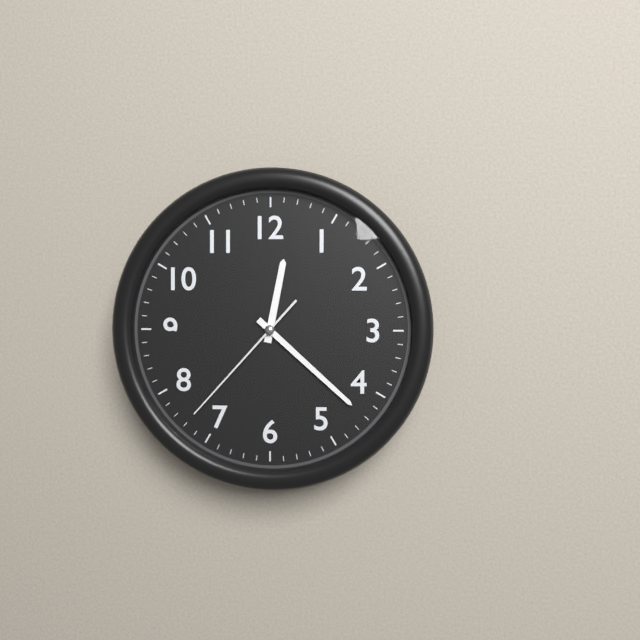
12:22:37
